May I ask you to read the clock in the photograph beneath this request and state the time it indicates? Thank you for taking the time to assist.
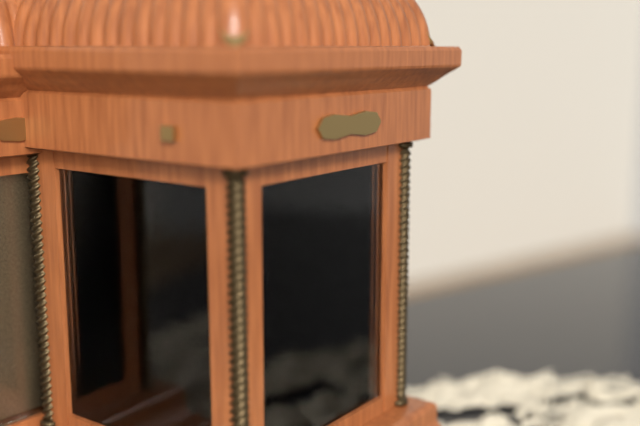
12:21
